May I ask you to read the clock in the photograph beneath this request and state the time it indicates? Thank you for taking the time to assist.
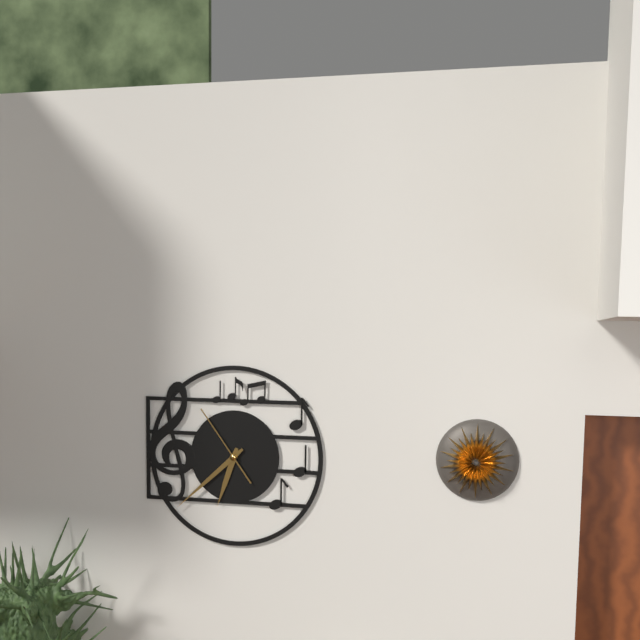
6:38:54
